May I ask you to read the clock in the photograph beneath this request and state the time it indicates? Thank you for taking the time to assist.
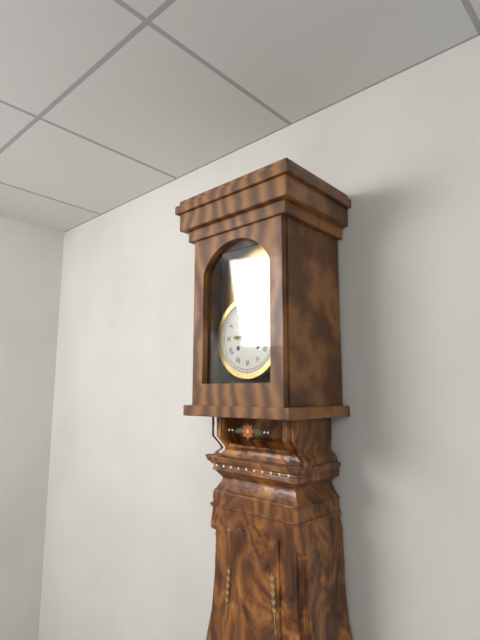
9:02
